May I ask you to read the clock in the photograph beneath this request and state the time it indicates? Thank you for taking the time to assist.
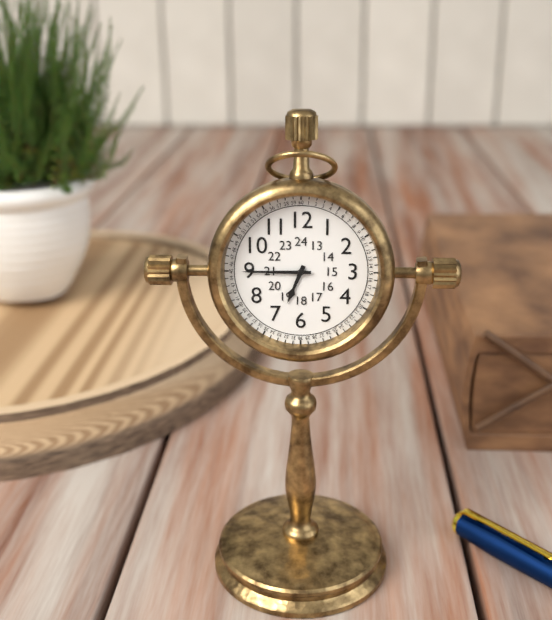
6:45
